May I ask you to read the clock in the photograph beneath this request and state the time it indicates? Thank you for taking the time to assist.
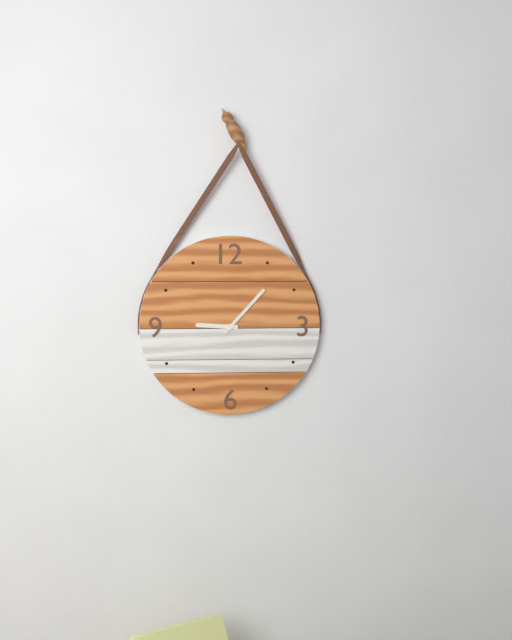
9:07
